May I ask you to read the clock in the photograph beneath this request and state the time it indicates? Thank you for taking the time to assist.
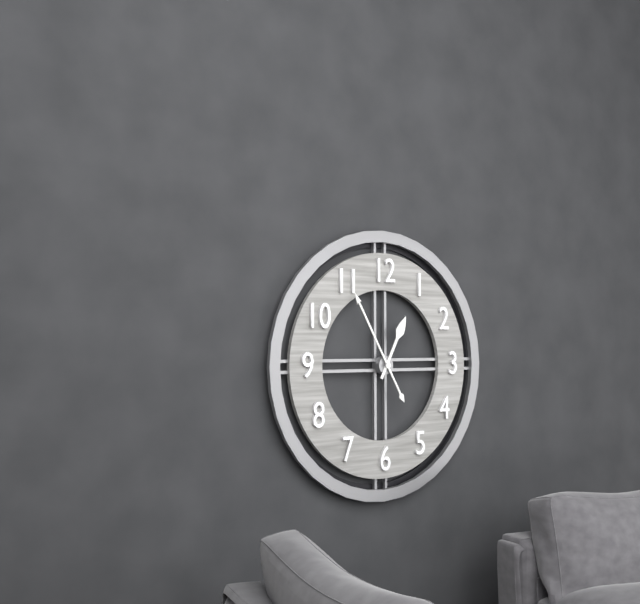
12:55
